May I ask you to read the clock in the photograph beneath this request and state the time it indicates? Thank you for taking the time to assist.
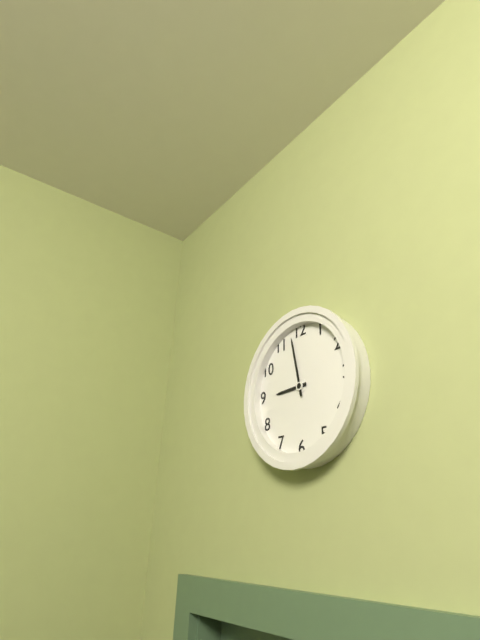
8:58
